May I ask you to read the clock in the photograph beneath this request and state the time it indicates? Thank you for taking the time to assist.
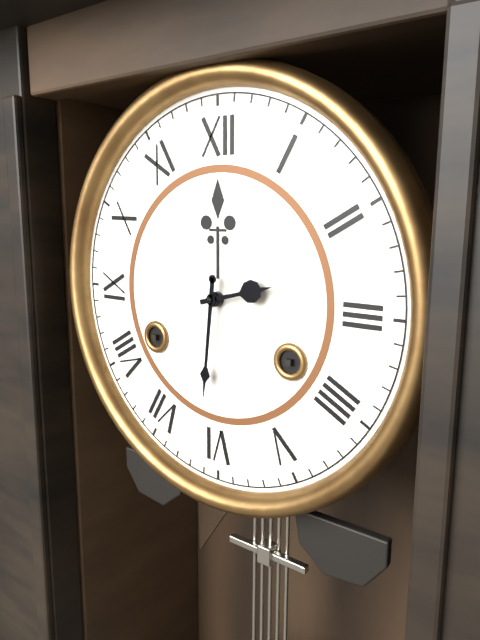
2:31
